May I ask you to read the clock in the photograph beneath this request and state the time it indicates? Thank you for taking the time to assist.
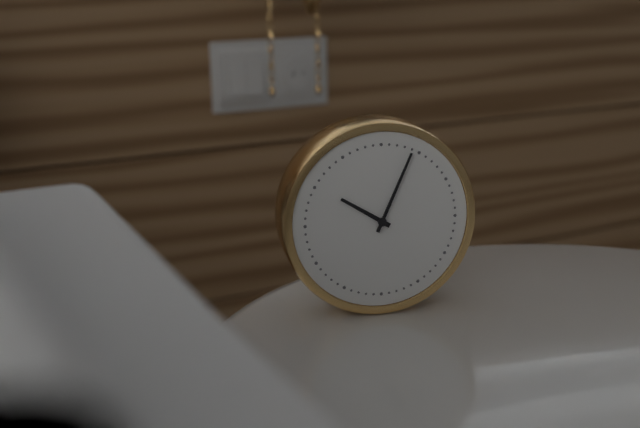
10:04
